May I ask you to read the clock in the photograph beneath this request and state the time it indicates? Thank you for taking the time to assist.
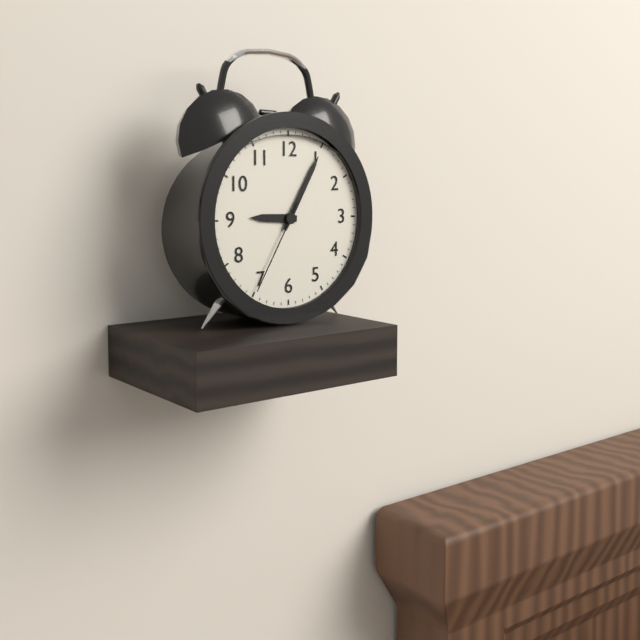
9:05:35
